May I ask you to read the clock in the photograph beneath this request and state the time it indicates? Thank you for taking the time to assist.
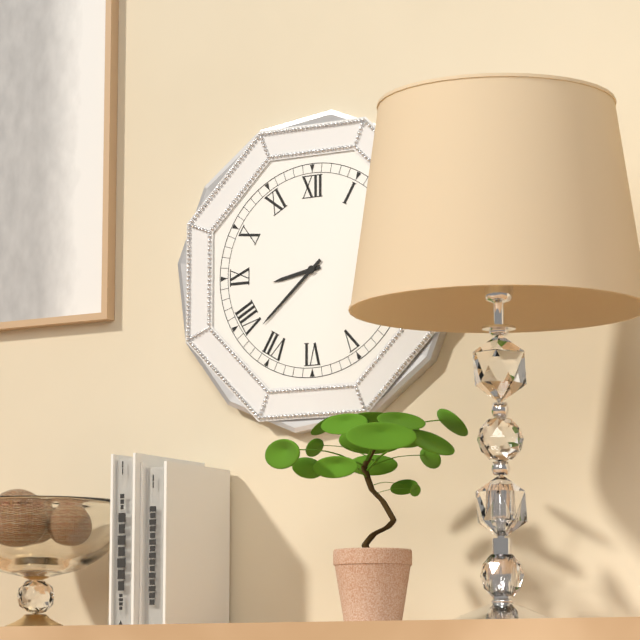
8:38
